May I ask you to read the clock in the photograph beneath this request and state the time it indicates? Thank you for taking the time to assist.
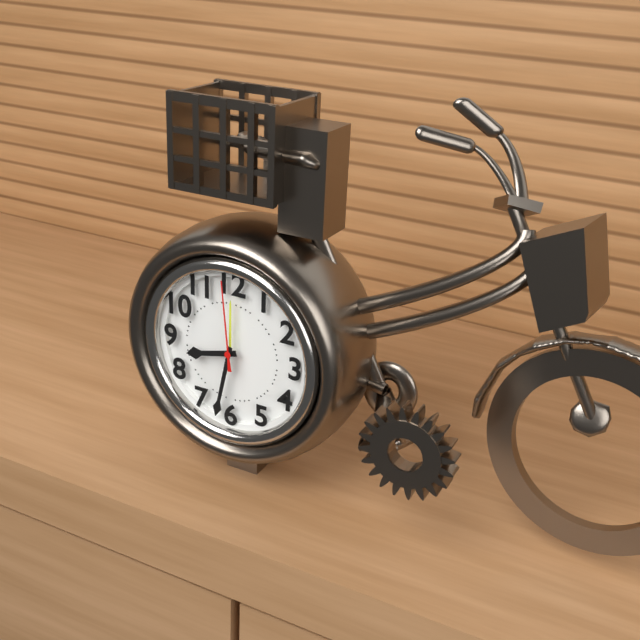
8:32:59
